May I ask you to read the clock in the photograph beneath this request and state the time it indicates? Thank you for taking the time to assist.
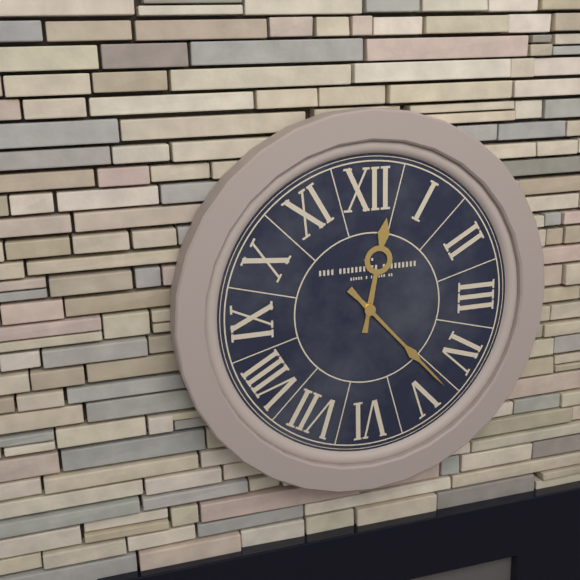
12:23
